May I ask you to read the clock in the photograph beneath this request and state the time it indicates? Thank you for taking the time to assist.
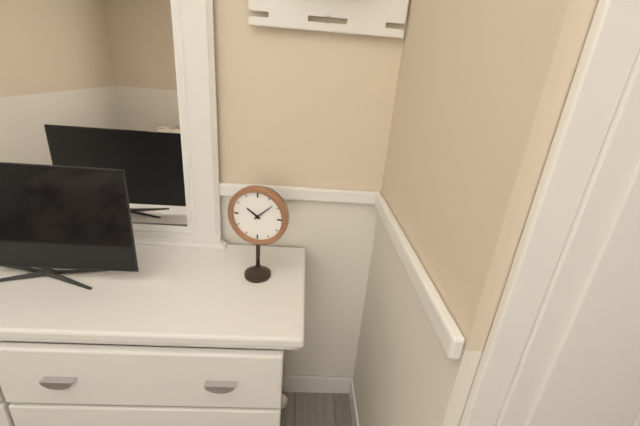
10:08
